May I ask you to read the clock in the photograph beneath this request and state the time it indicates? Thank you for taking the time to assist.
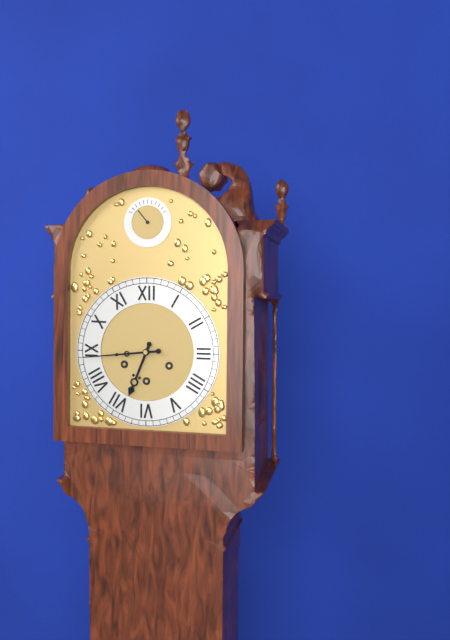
6:44
